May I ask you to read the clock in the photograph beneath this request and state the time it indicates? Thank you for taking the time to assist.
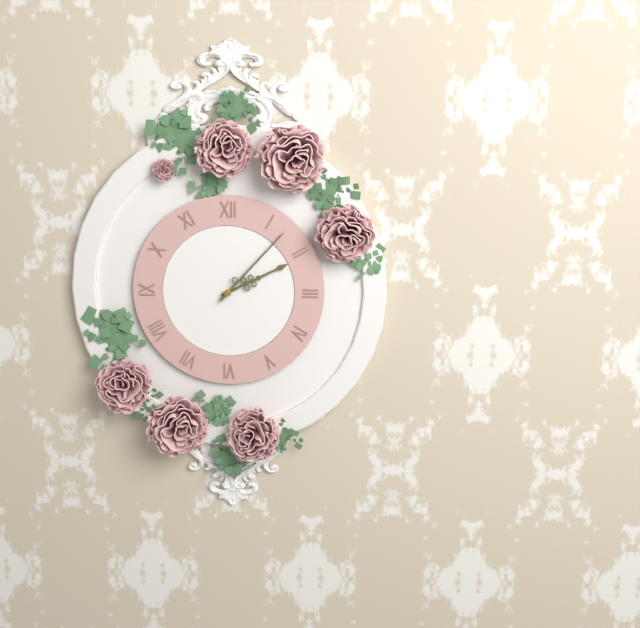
2:07
